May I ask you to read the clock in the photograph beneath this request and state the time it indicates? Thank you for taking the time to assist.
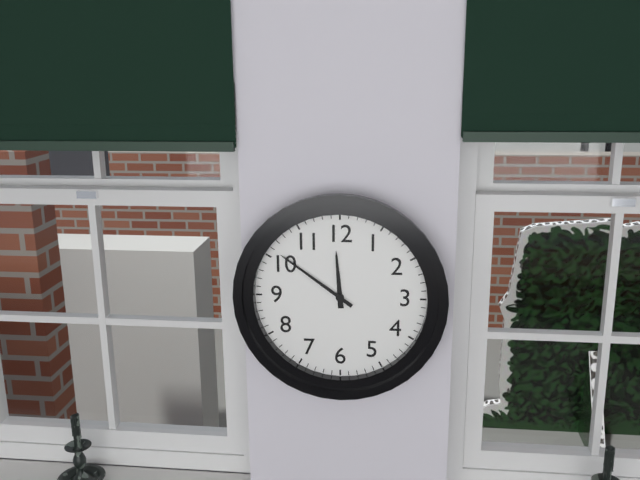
11:51
